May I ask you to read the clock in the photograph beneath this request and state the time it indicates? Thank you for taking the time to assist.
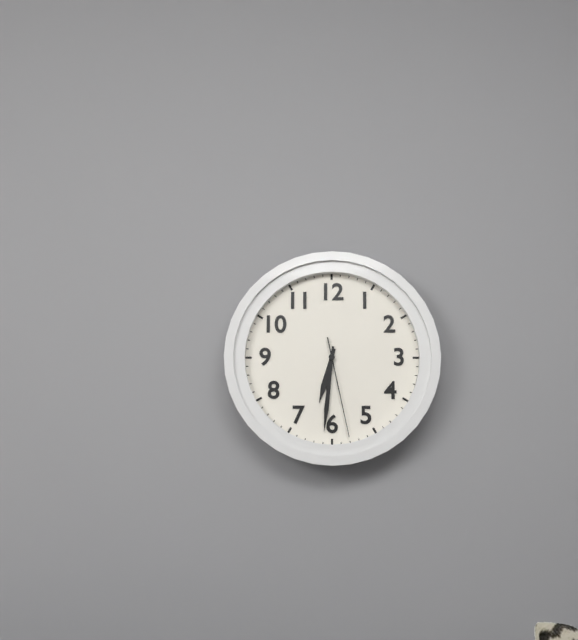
6:31:28
